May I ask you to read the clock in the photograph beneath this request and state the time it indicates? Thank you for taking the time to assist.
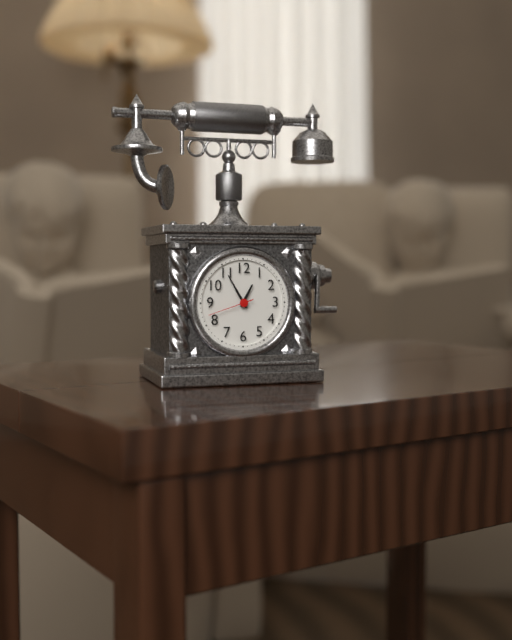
12:55
